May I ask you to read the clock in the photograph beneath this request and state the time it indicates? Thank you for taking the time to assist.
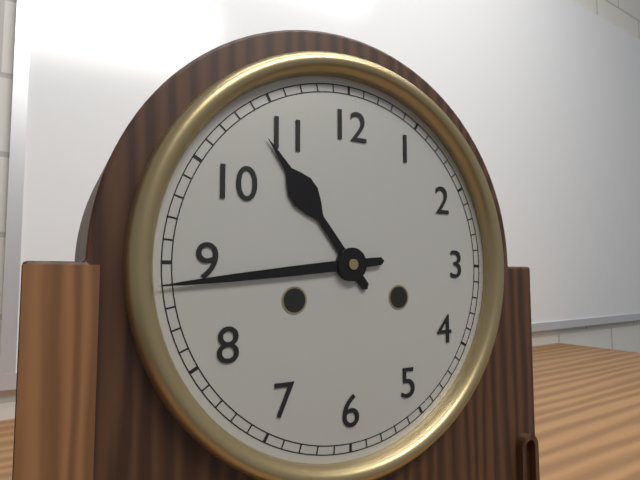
10:44
